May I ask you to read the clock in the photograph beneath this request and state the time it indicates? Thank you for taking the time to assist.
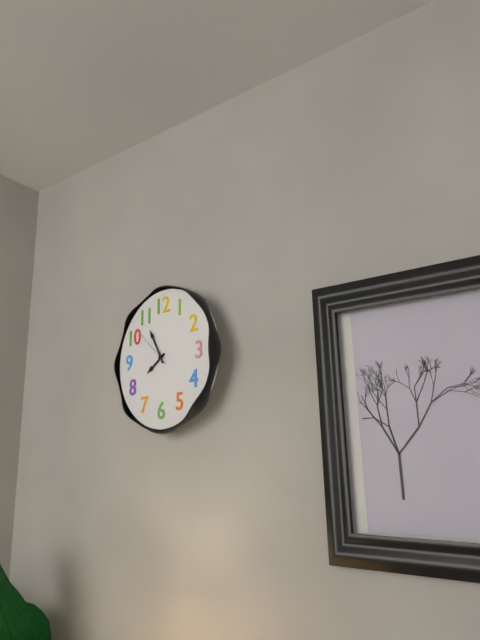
7:55
